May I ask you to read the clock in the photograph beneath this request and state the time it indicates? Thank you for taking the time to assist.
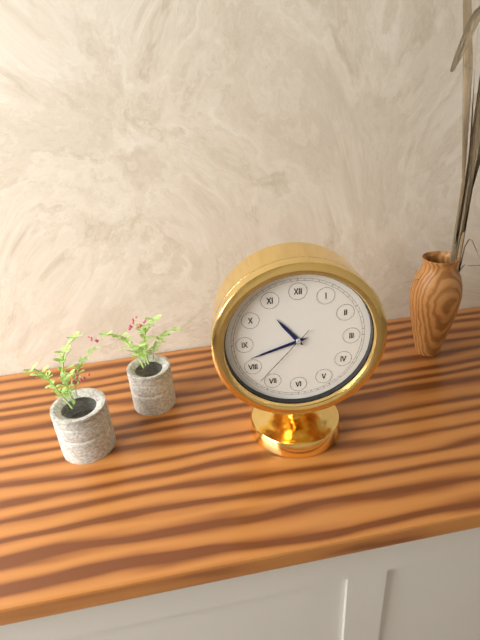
10:42:37
